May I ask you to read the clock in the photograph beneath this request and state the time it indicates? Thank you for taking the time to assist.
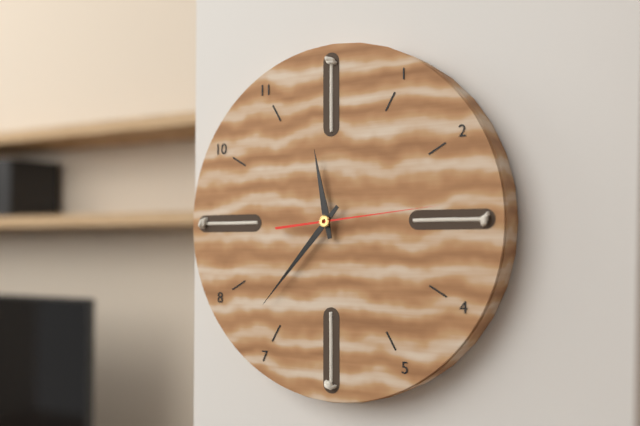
11:37:14
